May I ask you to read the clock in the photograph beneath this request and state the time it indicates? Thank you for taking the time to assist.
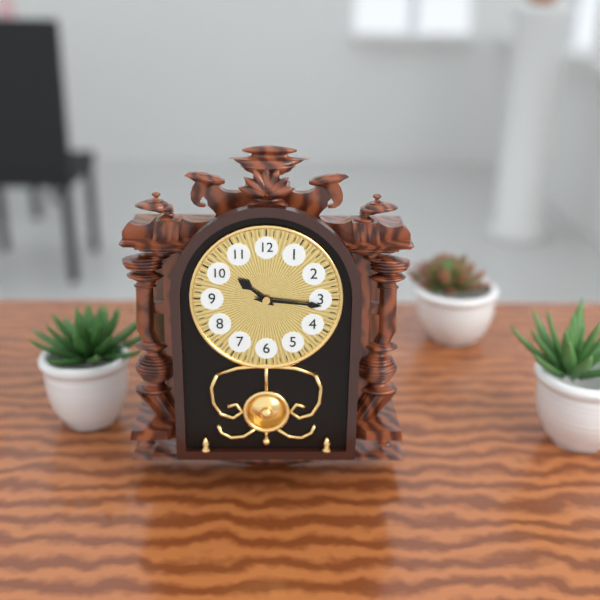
10:16
